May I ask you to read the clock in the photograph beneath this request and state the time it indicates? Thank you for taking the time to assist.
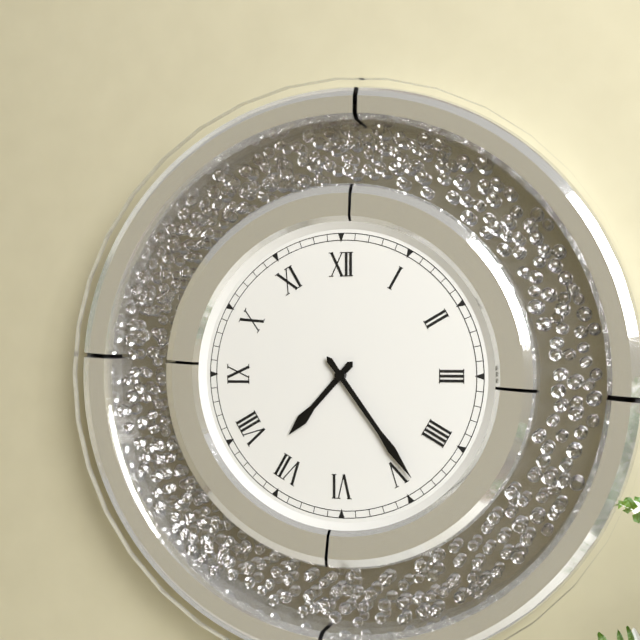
7:24
